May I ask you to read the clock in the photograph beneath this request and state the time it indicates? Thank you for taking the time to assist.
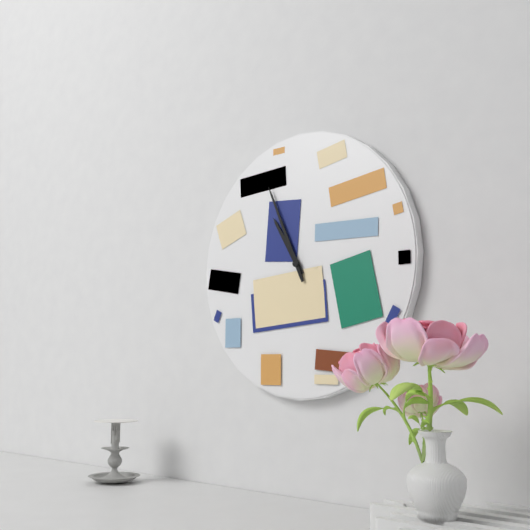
10:56
